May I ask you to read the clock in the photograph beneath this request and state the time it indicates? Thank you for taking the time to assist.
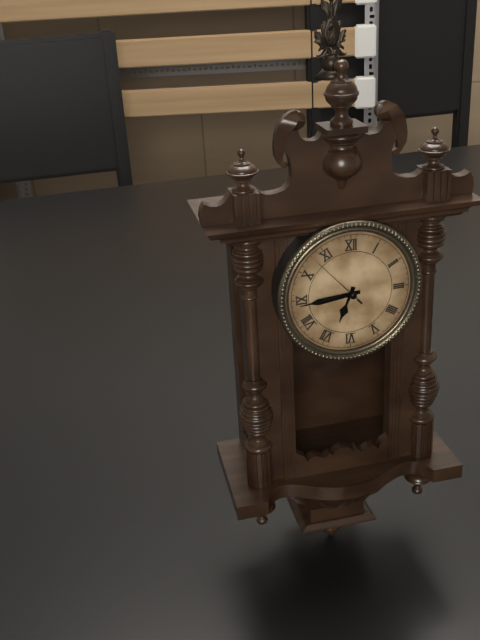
6:44:53
